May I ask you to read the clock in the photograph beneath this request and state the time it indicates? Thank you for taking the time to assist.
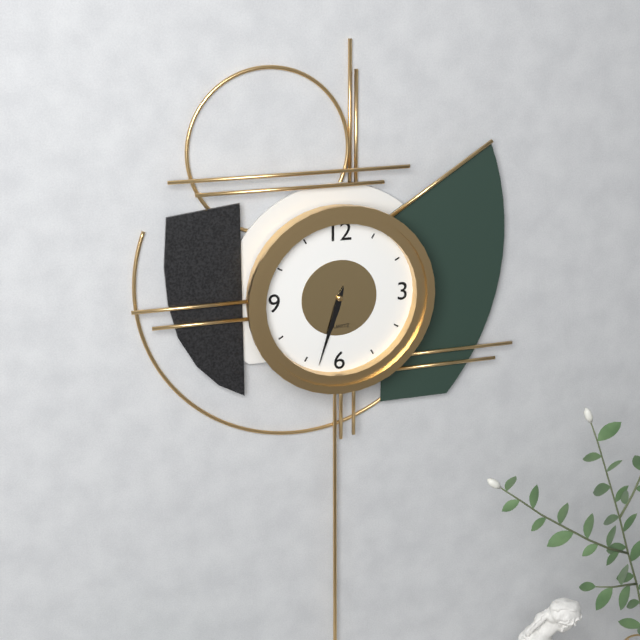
6:33
